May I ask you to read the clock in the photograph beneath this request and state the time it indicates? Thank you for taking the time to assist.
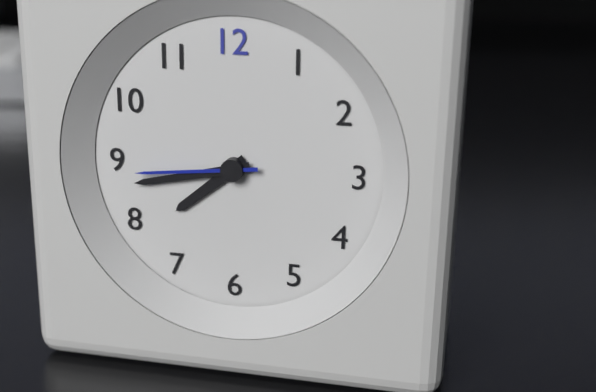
7:43:44
